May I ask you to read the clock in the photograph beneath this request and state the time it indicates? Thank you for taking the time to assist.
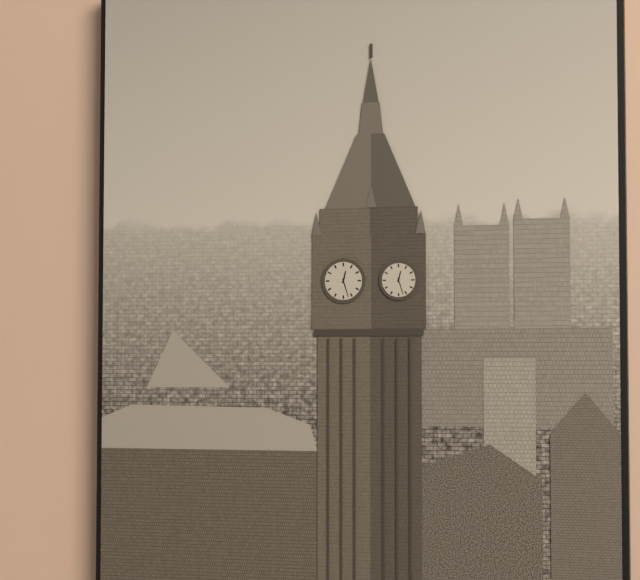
12:27
